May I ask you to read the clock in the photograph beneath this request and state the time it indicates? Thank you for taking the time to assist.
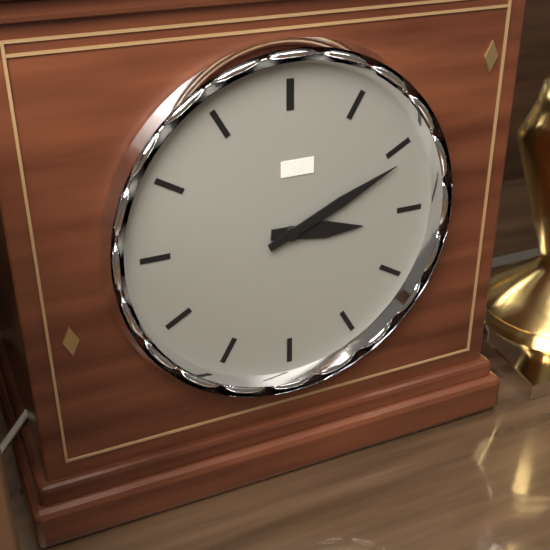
3:11
